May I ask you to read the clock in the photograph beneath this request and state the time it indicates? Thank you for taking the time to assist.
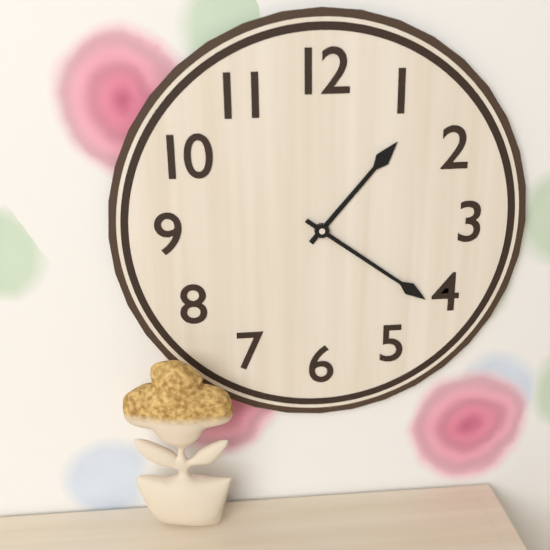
1:21
